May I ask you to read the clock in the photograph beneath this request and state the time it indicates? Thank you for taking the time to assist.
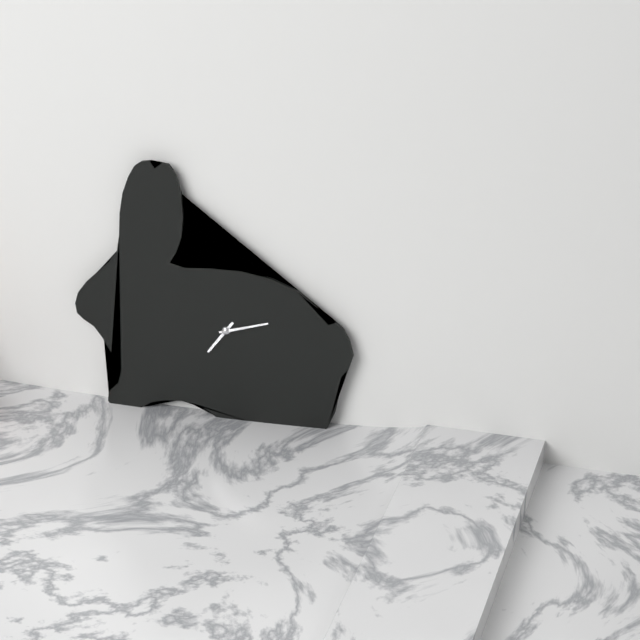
7:12
